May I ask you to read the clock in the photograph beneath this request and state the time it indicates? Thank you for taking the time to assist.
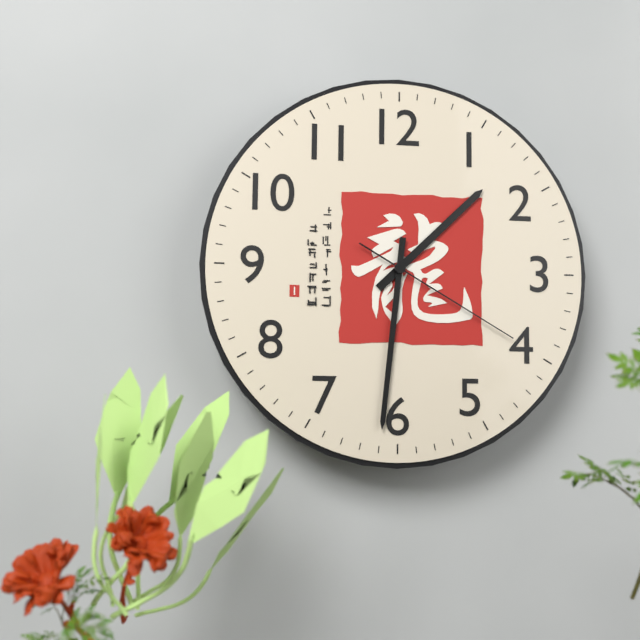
1:31:20
